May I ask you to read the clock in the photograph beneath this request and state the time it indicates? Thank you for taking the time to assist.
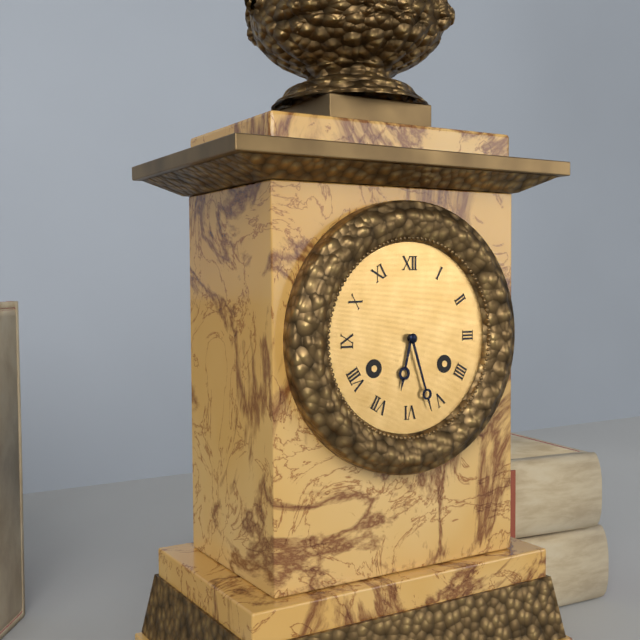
6:27
